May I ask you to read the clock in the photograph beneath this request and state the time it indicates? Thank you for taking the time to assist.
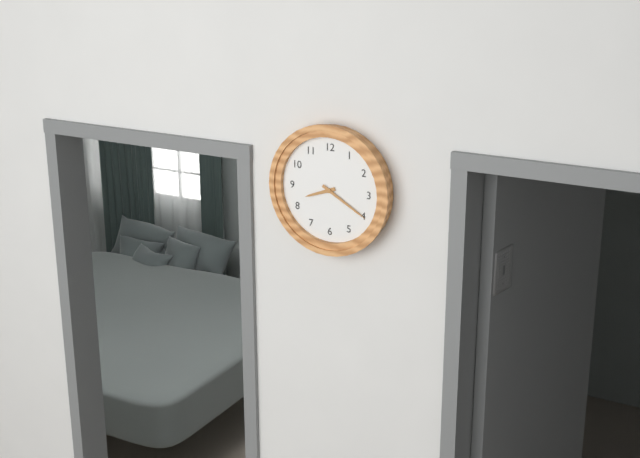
8:20
